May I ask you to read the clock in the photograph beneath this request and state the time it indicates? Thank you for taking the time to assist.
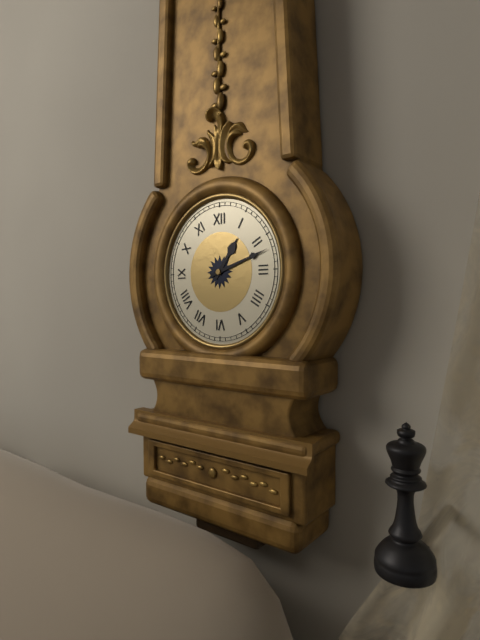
1:12
